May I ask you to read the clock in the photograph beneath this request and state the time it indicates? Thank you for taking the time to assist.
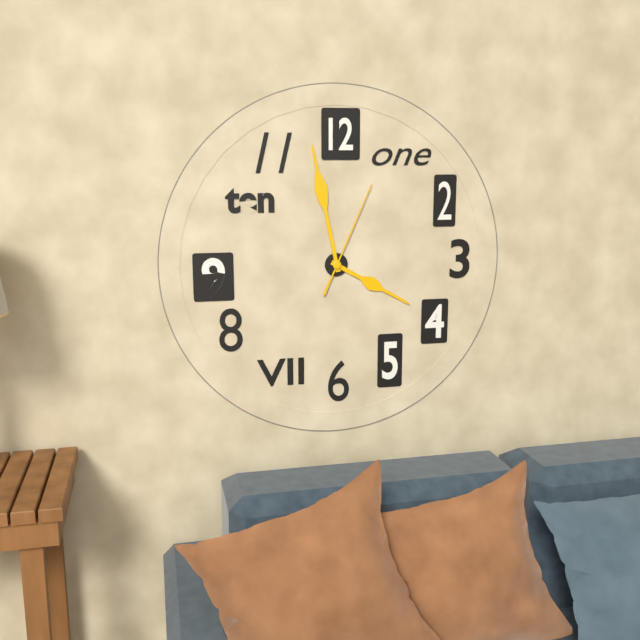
3:58:04
